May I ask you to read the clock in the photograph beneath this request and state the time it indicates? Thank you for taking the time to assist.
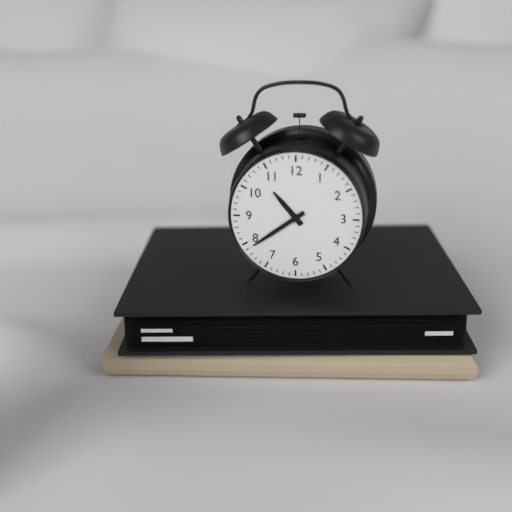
10:39
